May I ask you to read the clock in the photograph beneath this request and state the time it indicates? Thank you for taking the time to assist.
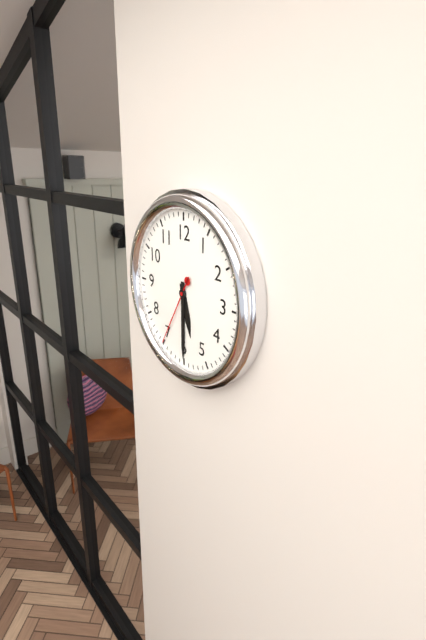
5:30:35
